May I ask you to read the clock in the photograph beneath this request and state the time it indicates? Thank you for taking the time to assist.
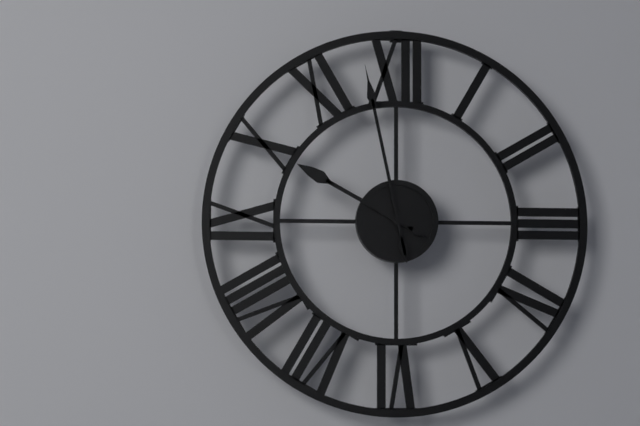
9:58
